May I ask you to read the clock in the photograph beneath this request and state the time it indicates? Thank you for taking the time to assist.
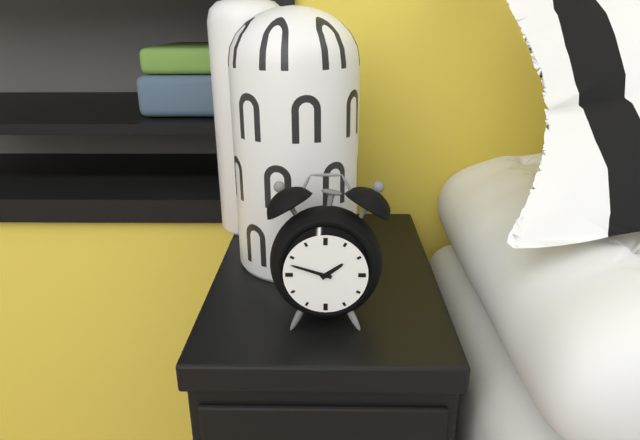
1:48
